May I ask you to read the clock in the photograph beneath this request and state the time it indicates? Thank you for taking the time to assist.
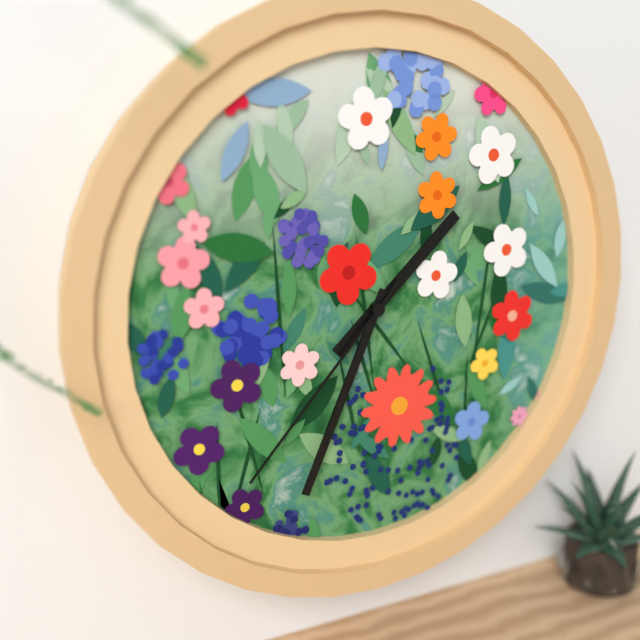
1:34:37
